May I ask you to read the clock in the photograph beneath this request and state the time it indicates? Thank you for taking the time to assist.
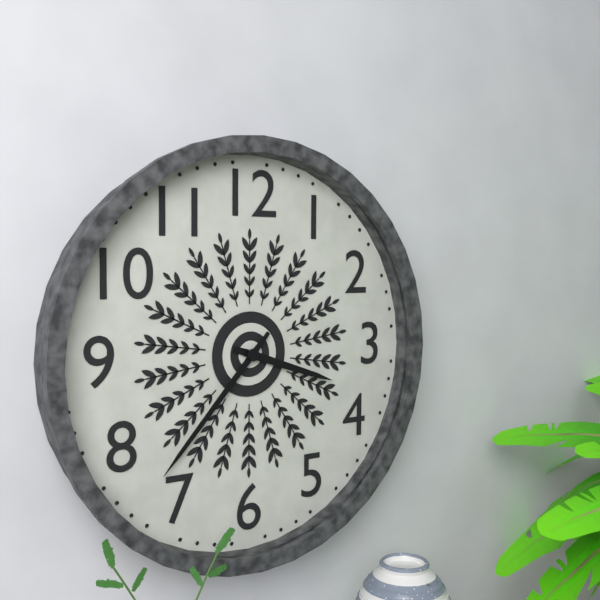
3:37
